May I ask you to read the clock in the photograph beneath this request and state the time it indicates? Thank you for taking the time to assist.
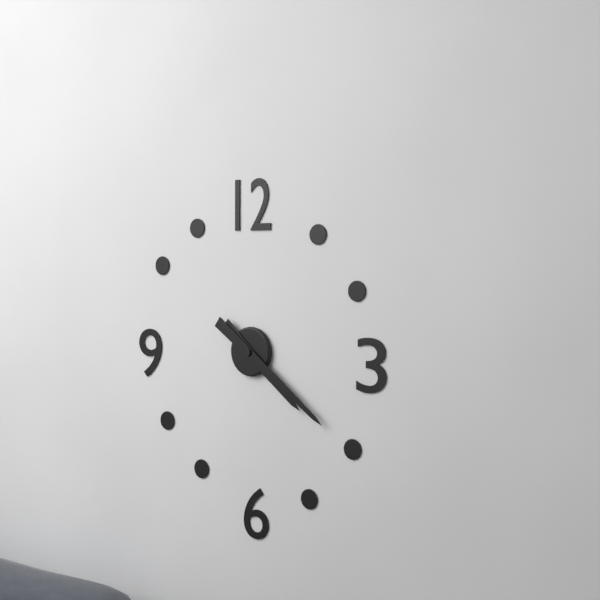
4:21
